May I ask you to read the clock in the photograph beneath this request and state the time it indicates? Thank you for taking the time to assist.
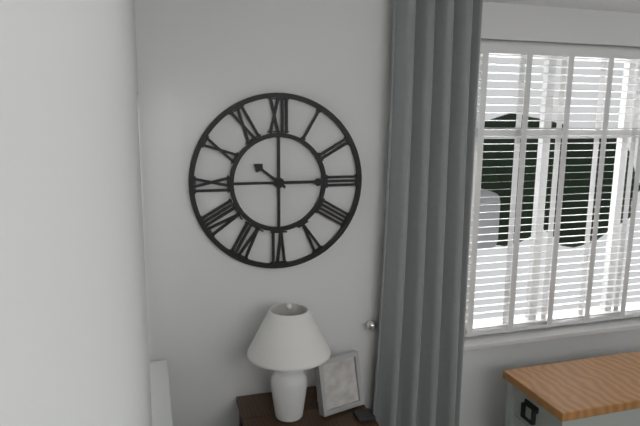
10:15
